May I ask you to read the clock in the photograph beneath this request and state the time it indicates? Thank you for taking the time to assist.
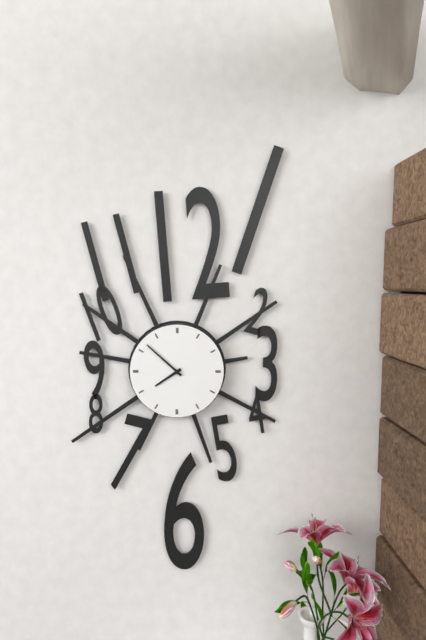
7:52
